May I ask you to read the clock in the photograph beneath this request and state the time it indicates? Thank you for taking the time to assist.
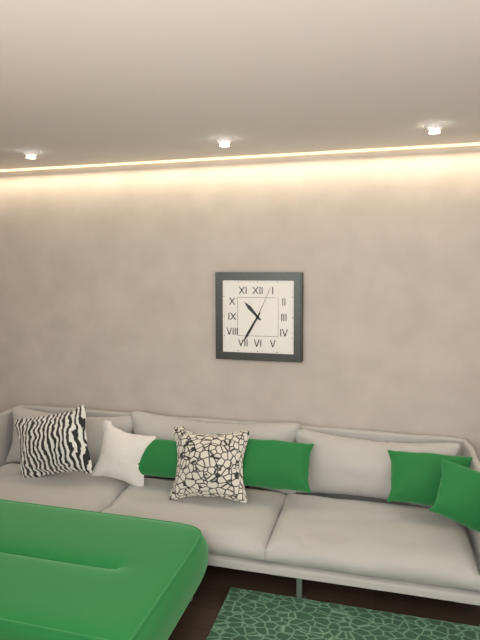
10:35
